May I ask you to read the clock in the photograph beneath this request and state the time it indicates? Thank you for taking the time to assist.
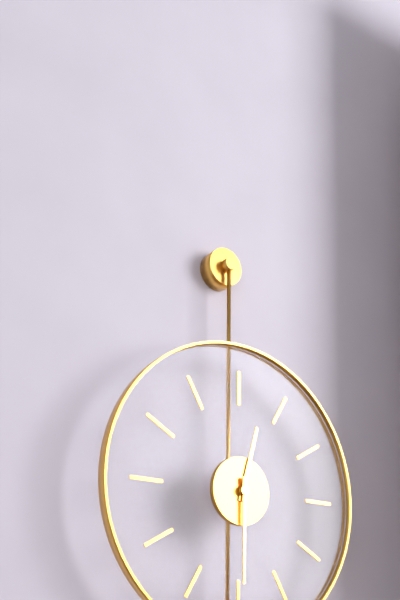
12:30
